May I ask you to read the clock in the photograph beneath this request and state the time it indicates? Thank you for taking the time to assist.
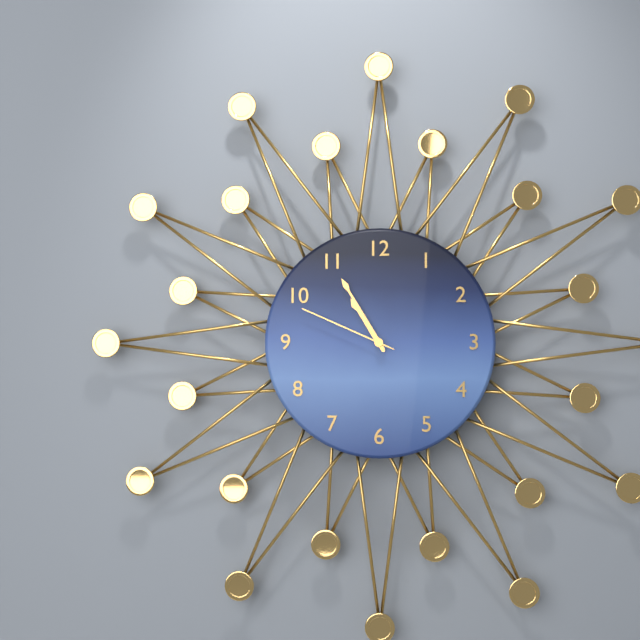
10:55:49
